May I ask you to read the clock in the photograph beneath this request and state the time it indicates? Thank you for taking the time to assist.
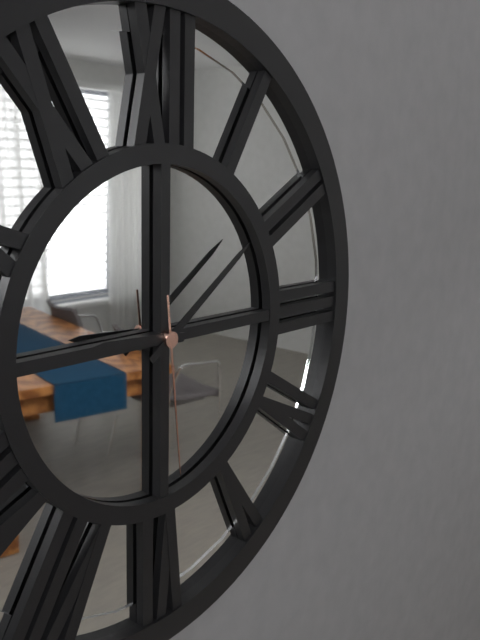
9:09:29
